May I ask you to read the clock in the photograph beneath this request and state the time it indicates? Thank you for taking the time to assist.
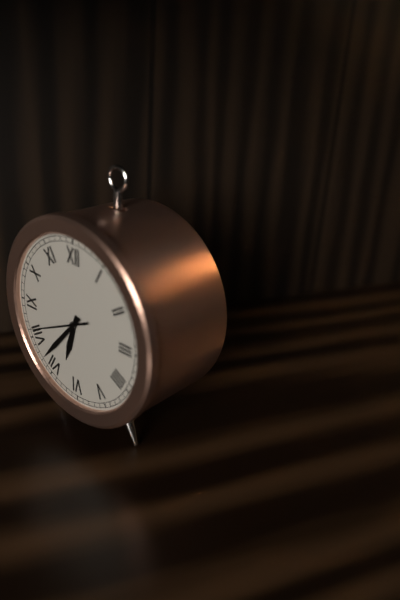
6:37:41
